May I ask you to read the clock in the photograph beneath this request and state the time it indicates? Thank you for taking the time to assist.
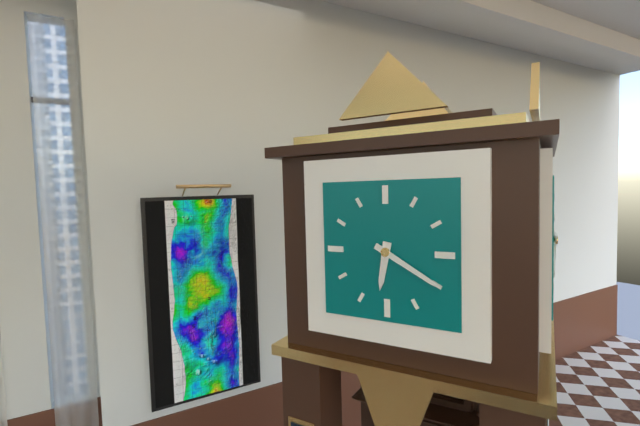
6:20
